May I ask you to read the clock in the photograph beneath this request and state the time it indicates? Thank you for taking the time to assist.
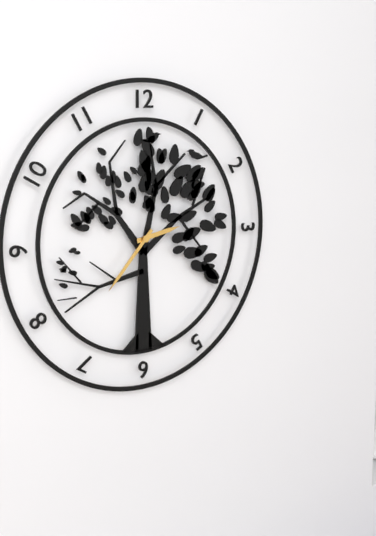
2:37
